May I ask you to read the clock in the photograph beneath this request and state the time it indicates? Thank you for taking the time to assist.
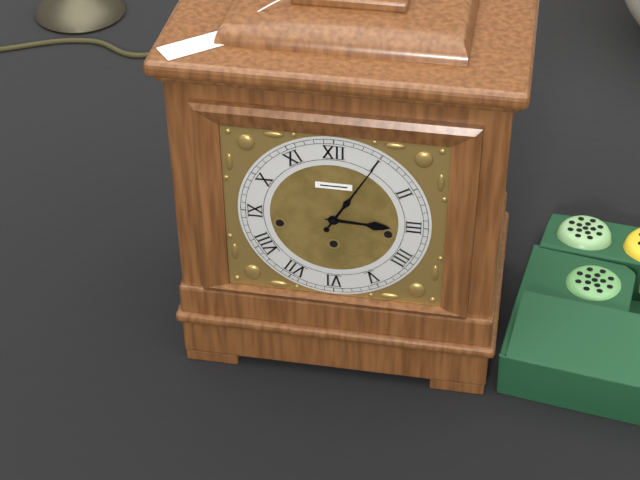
3:05
